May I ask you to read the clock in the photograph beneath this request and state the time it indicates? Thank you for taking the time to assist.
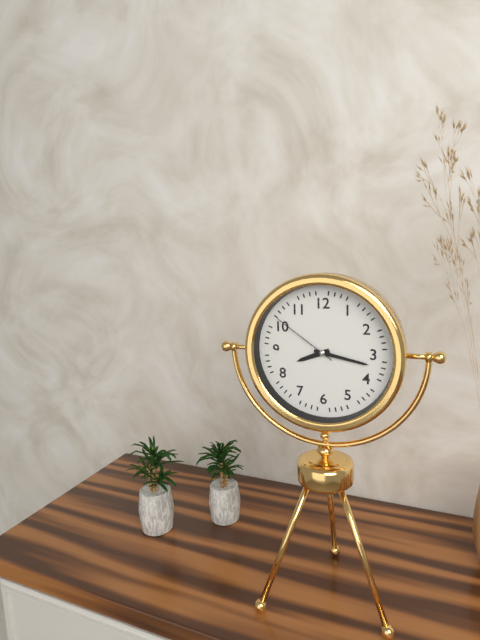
8:17:51
